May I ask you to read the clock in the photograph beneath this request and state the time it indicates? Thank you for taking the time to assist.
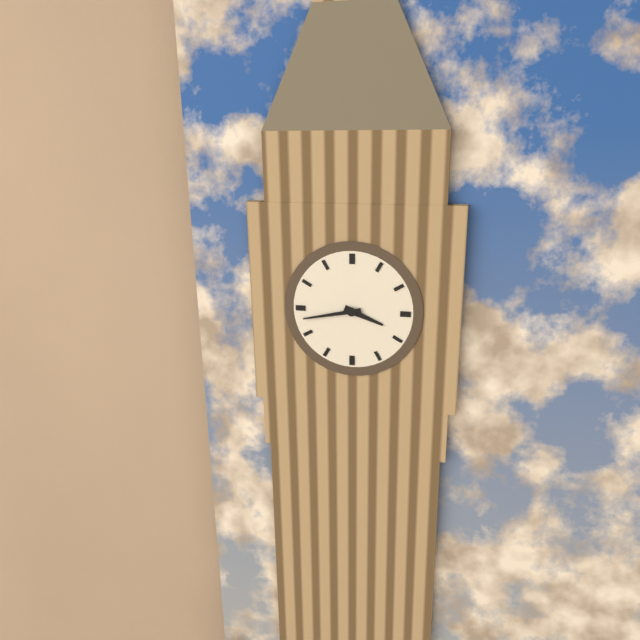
3:43
